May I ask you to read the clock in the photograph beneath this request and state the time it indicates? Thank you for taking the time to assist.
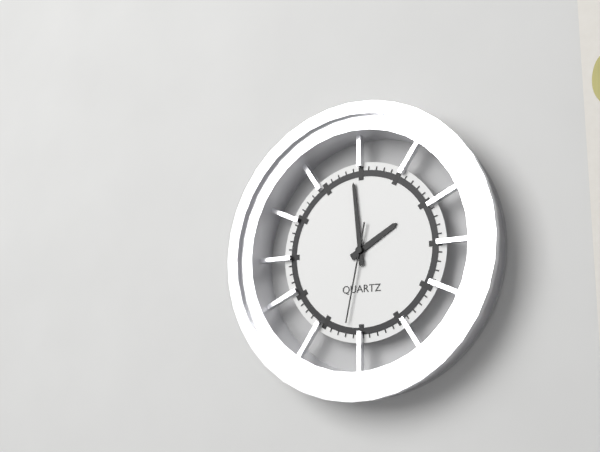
1:59:32
